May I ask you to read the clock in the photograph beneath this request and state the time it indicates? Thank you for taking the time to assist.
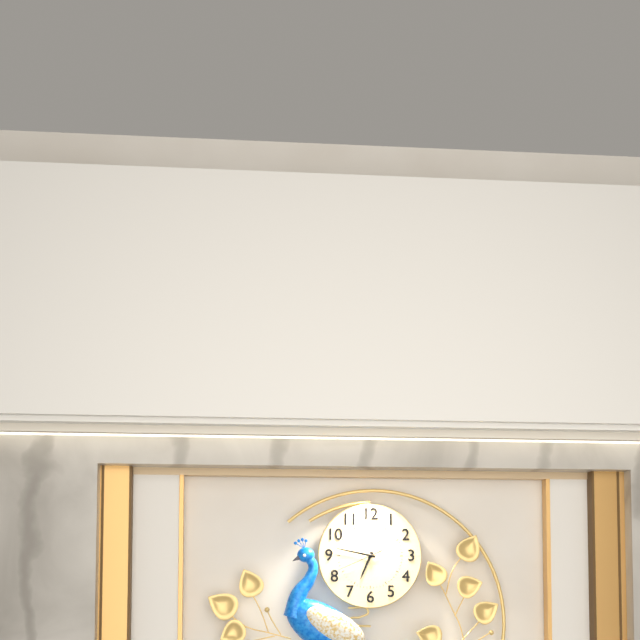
6:47
